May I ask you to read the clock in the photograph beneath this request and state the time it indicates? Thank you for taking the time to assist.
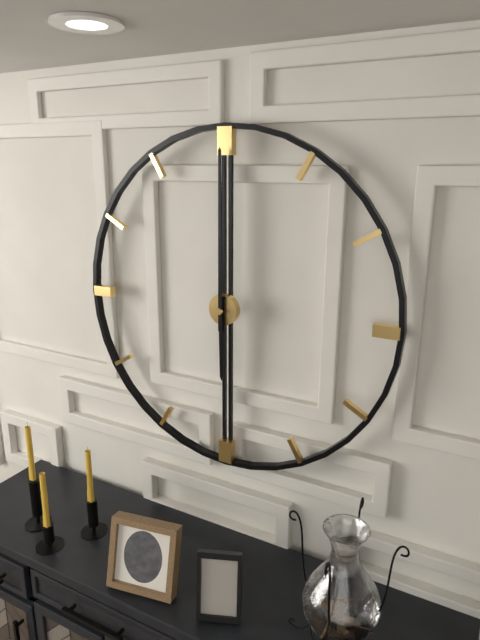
6:00
